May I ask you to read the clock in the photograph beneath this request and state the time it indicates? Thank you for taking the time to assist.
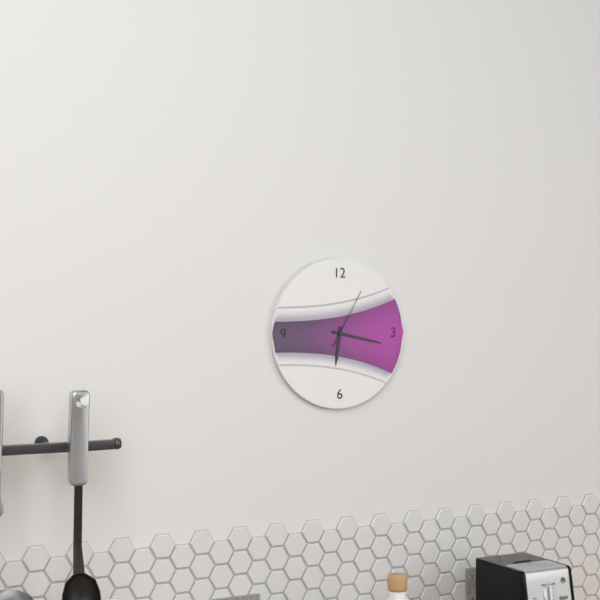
6:17:05
